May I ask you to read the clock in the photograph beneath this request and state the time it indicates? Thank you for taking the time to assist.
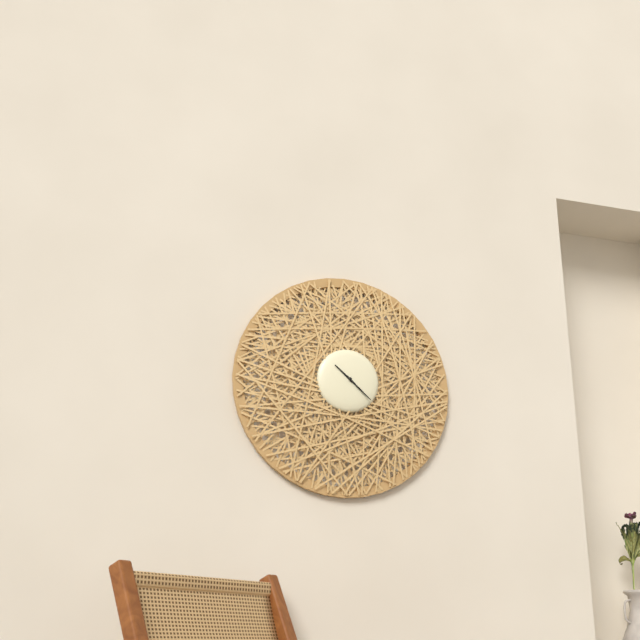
10:22
